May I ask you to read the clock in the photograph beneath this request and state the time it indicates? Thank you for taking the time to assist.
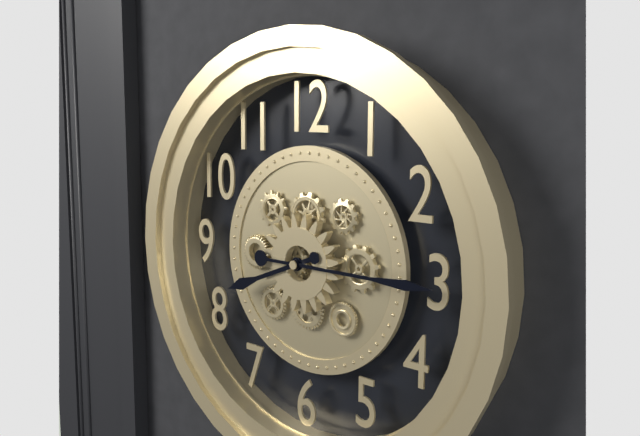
8:15
